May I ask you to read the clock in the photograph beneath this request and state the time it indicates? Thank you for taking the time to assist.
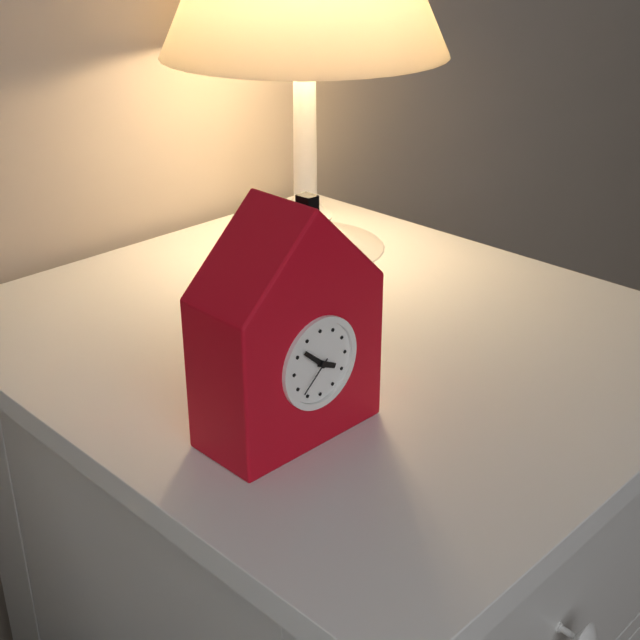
3:52
